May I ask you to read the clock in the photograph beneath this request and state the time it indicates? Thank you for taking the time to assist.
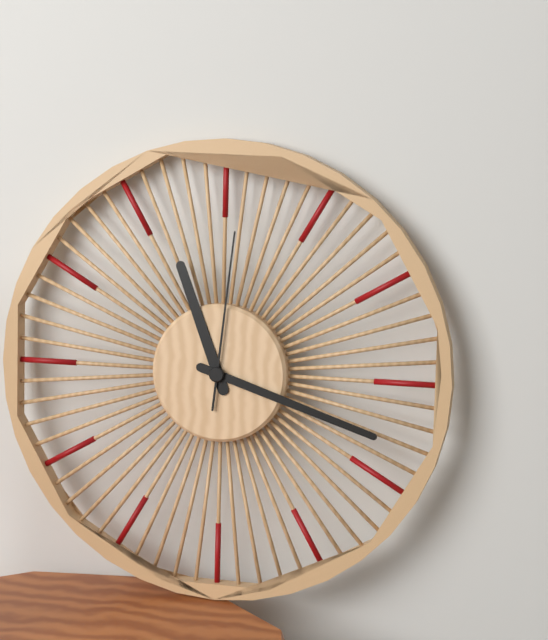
11:18:01
